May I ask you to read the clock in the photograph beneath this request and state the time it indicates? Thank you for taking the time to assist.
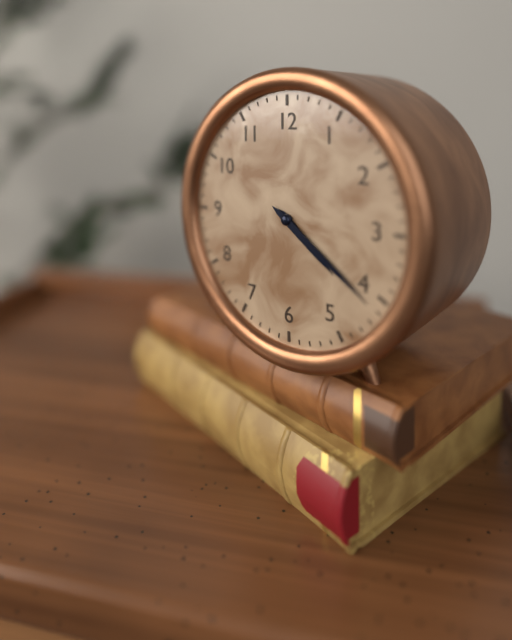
4:21
